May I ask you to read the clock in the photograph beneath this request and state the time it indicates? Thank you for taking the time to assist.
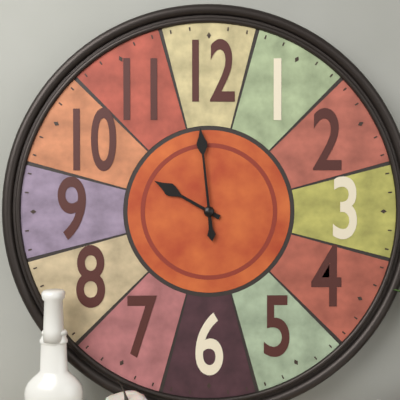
9:59
